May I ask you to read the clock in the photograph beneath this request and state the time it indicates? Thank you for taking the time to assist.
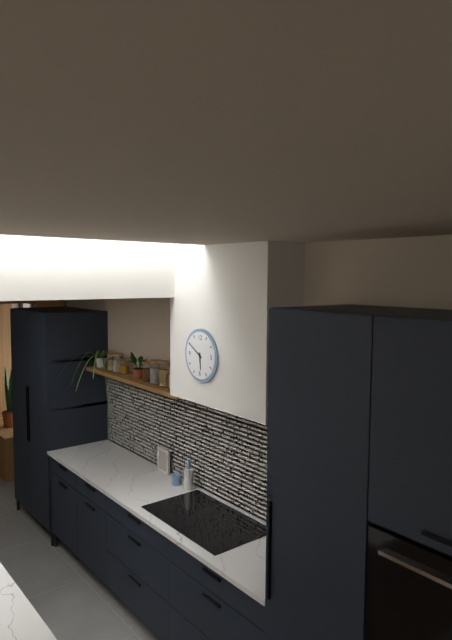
5:50
